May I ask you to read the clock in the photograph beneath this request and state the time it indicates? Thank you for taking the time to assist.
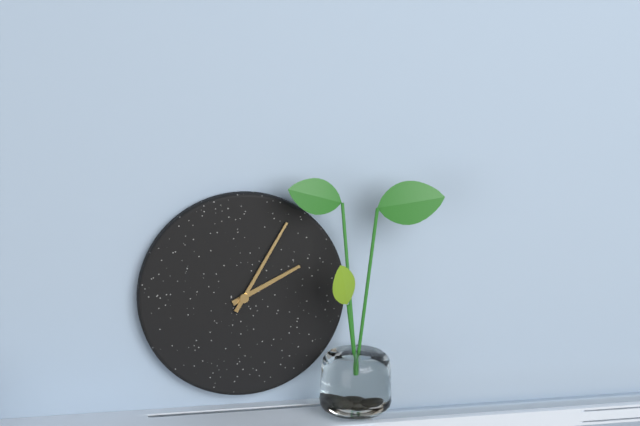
2:05
